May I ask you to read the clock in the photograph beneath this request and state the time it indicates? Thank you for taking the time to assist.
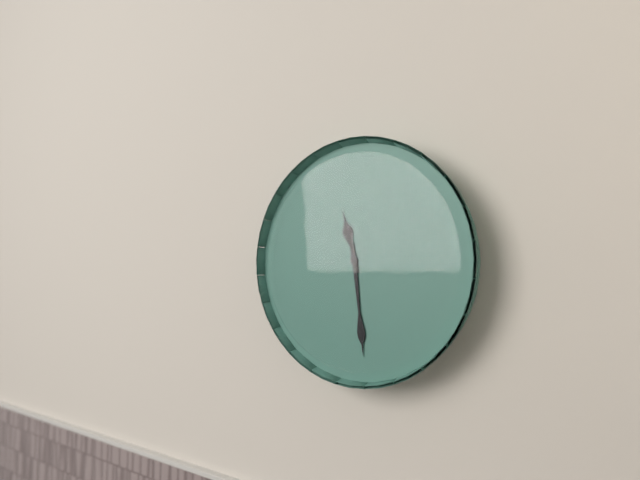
11:29
